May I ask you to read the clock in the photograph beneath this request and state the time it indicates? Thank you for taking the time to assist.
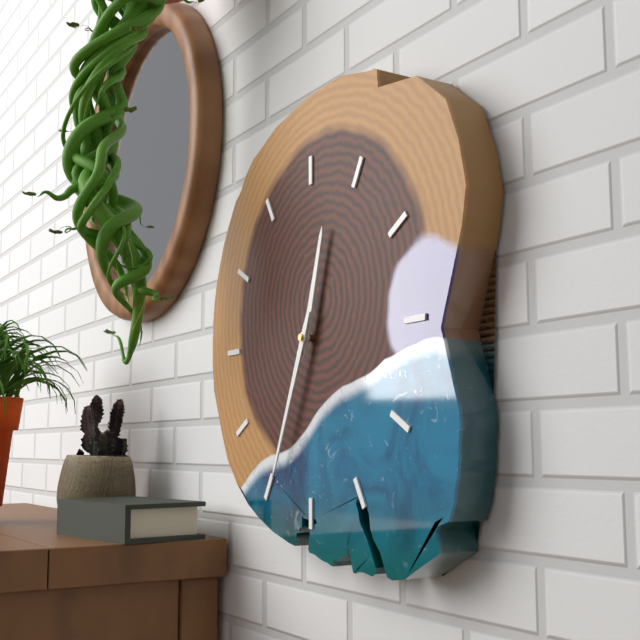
12:34
